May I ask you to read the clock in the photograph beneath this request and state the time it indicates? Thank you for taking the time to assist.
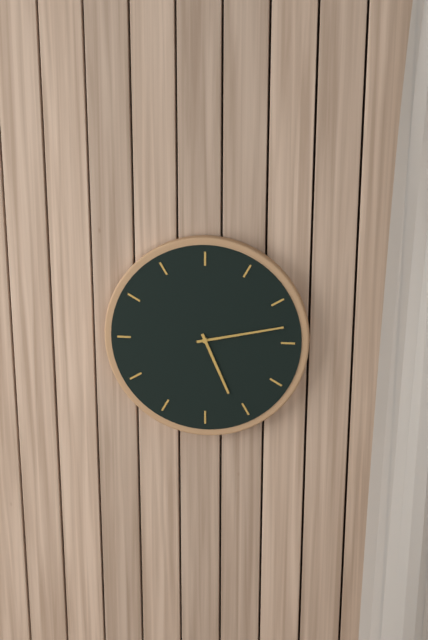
5:13
